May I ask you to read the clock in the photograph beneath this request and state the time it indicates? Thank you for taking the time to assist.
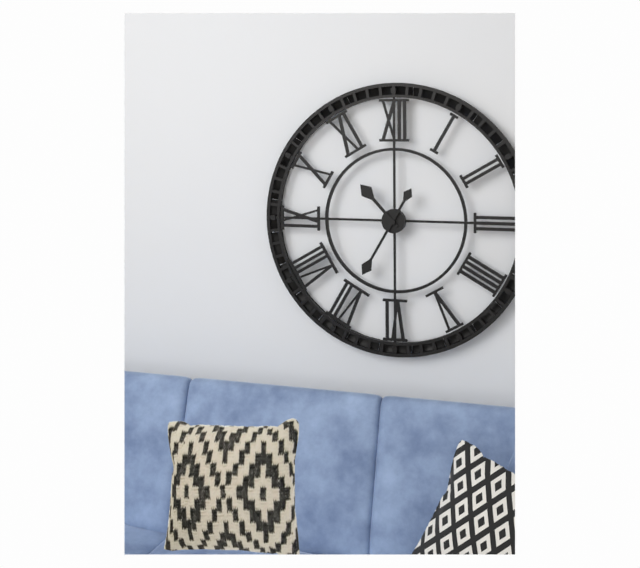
10:35
